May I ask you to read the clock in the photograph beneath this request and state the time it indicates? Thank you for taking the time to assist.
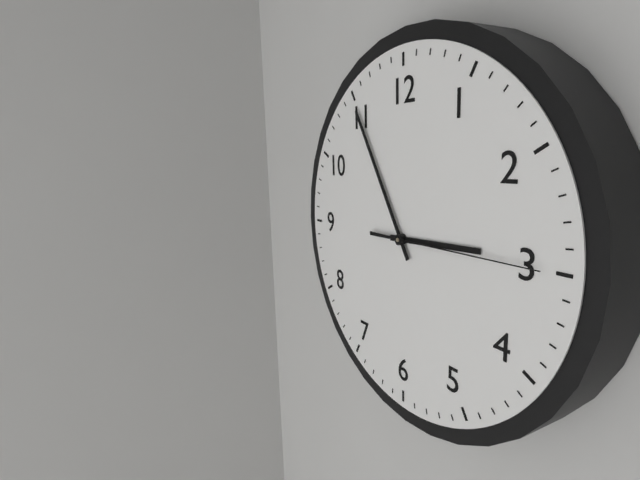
2:55:15
